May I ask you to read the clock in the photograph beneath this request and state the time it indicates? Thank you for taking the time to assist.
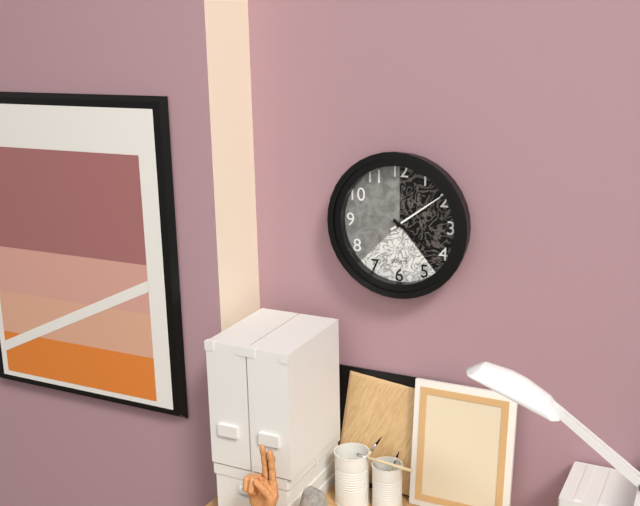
4:09
